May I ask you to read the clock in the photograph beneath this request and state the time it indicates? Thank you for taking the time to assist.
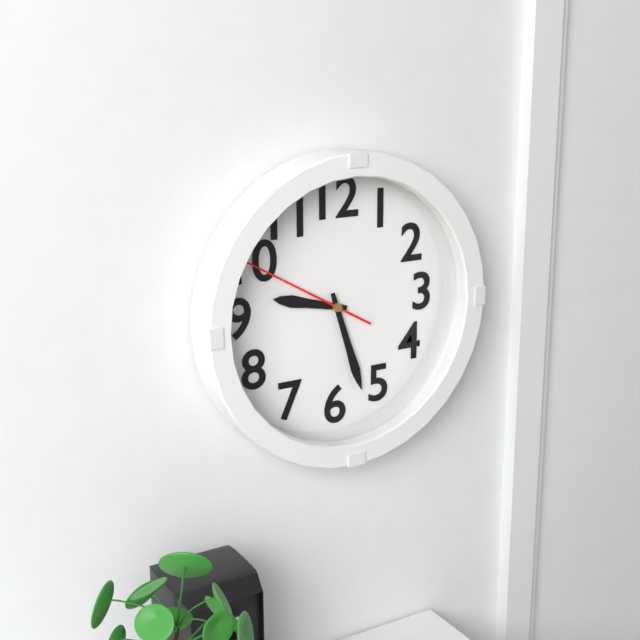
9:27:50
